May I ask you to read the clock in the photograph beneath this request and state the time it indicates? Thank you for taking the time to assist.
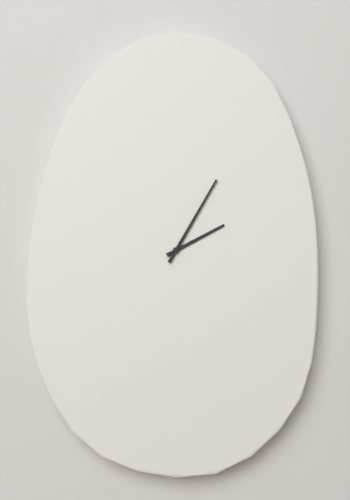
2:05
